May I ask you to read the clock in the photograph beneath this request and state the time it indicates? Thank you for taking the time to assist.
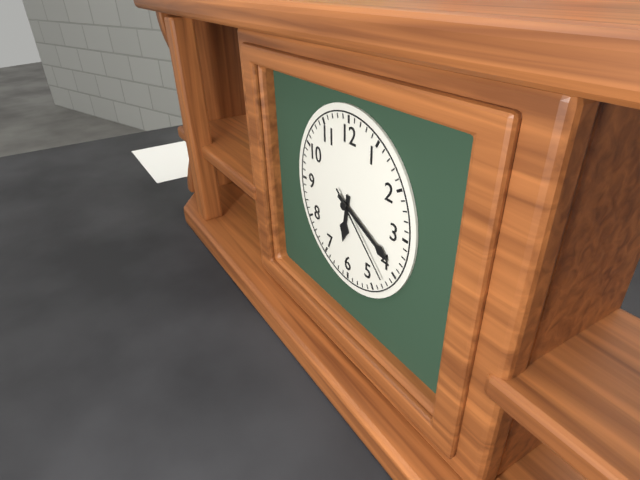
6:19:22
